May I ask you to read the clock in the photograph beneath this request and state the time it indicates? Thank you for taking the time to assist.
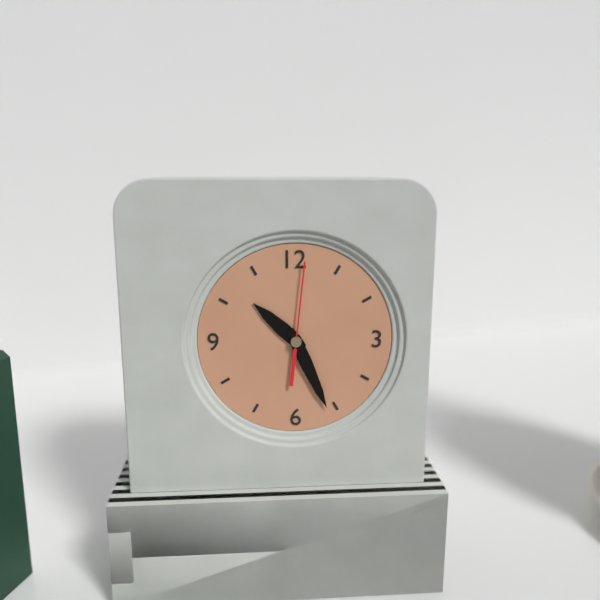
10:26:01
